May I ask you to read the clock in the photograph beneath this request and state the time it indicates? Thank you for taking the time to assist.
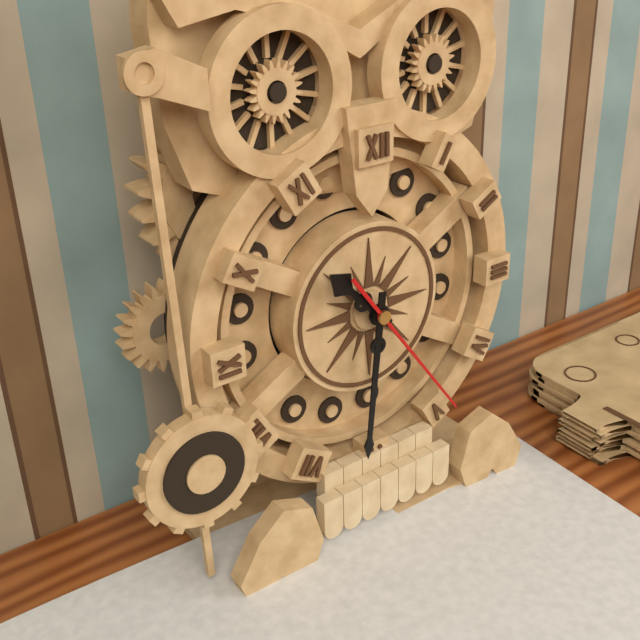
10:31:24
